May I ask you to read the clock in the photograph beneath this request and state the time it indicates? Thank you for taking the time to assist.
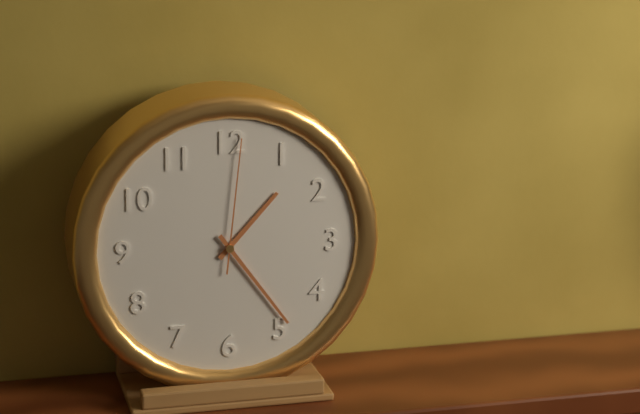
1:24:01
